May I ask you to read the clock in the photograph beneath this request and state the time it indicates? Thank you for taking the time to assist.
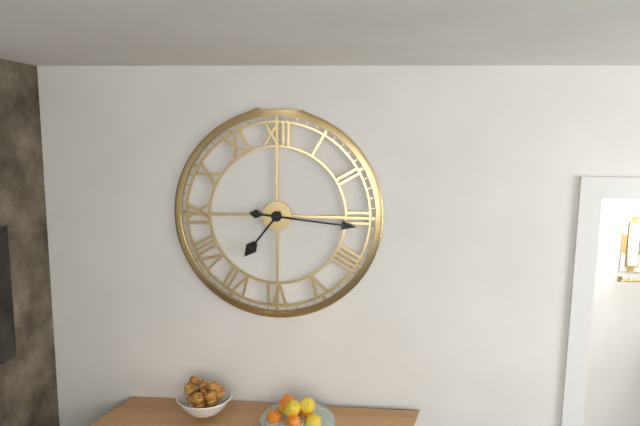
7:16
